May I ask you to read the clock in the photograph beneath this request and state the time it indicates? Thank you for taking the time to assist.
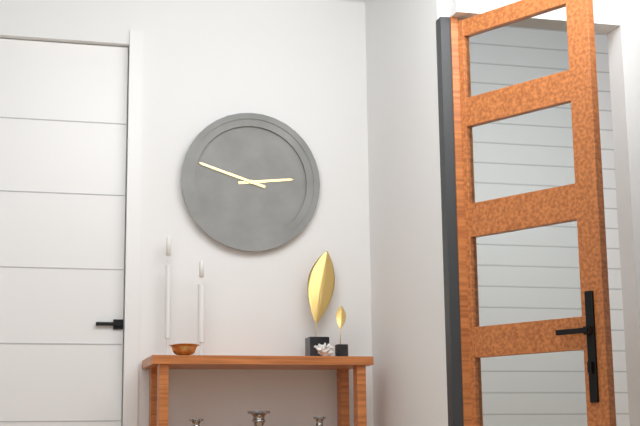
2:48
